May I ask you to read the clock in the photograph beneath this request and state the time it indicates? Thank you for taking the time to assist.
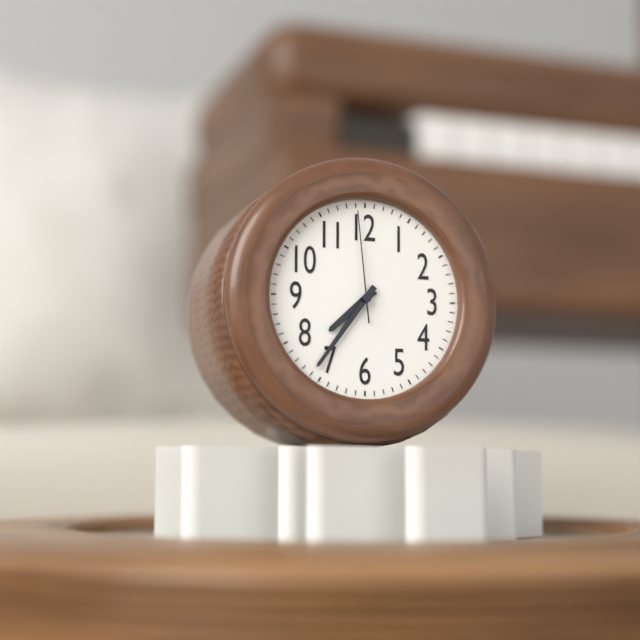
7:36:59
